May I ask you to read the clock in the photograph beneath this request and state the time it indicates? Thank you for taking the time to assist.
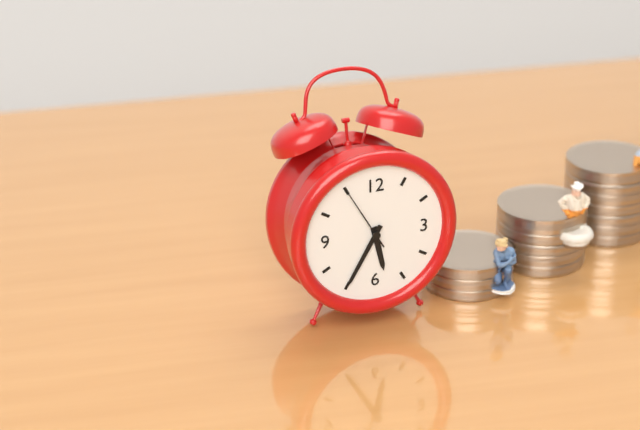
5:35:55
